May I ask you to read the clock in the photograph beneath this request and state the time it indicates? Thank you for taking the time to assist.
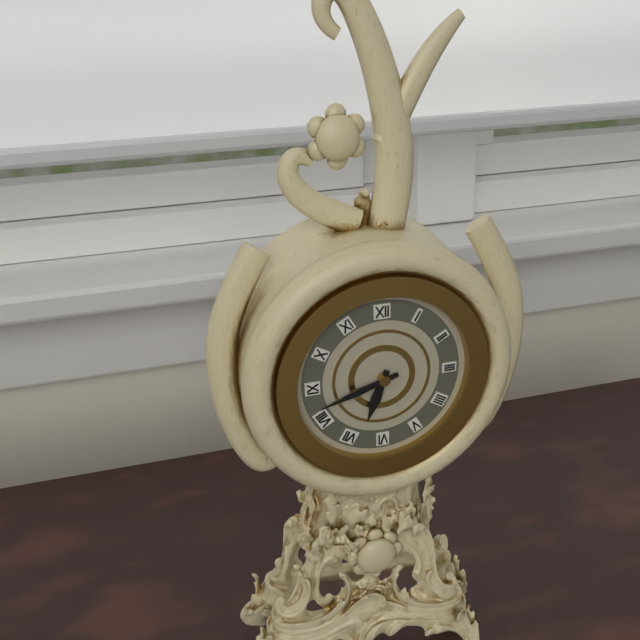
6:42
